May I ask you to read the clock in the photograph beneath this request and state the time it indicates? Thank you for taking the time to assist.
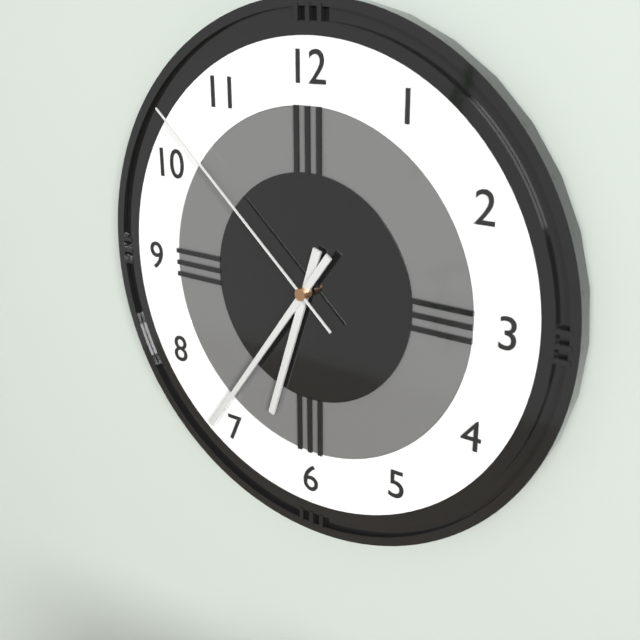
6:36:52
